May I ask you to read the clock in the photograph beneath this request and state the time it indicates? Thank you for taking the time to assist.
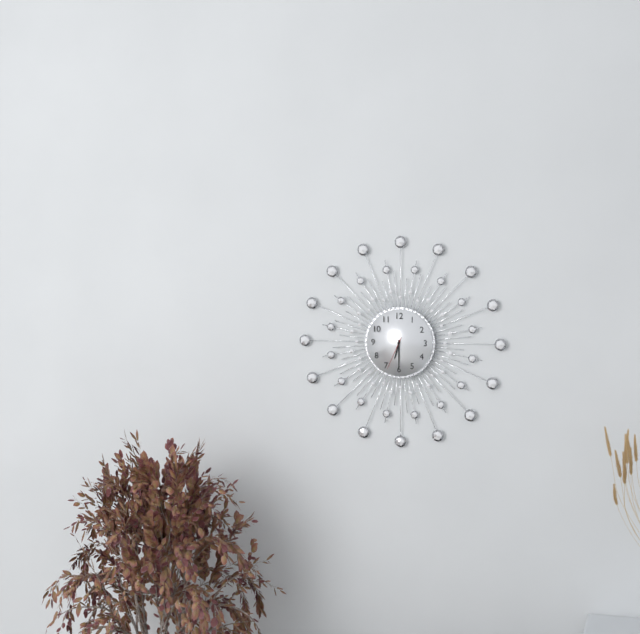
6:30
